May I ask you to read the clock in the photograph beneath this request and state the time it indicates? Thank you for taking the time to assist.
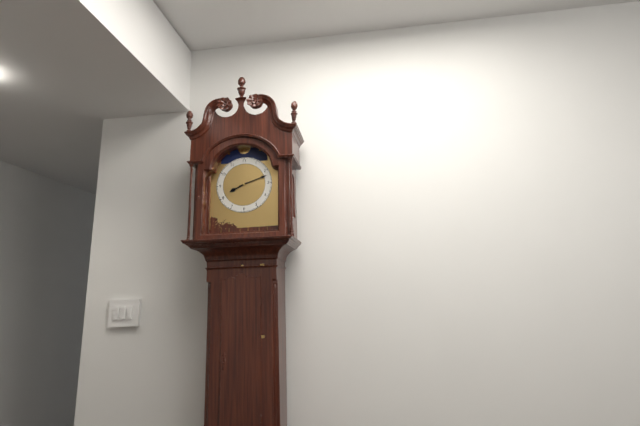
8:12
